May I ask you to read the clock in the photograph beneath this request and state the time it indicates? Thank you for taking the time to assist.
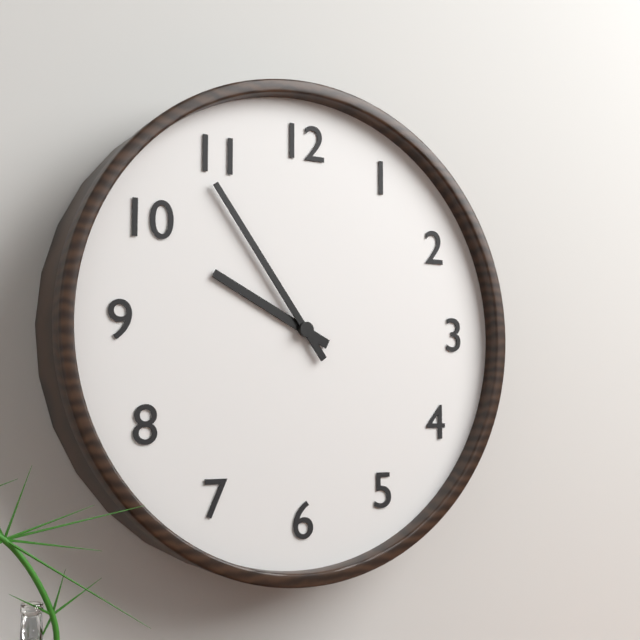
9:54
